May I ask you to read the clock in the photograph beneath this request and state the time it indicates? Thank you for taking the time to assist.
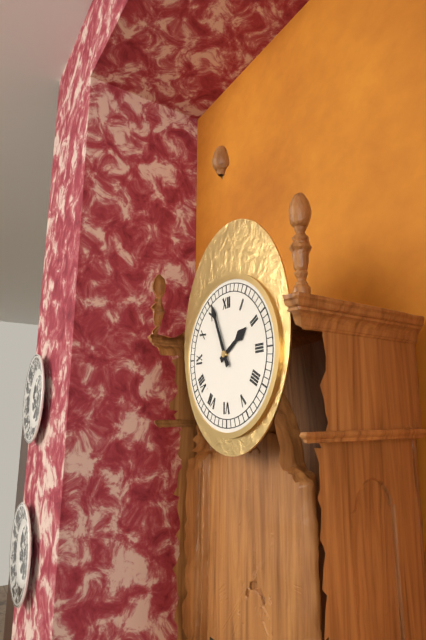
1:56
